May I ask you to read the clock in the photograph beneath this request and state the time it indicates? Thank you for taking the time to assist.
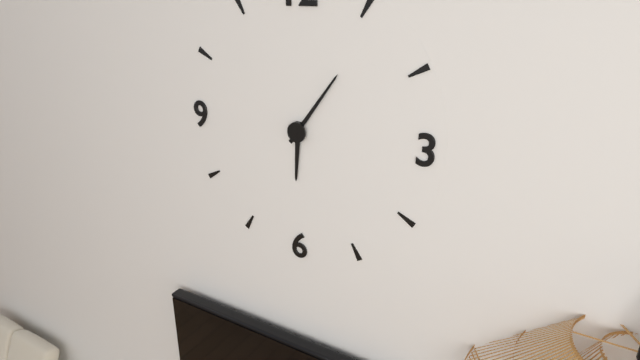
6:06
